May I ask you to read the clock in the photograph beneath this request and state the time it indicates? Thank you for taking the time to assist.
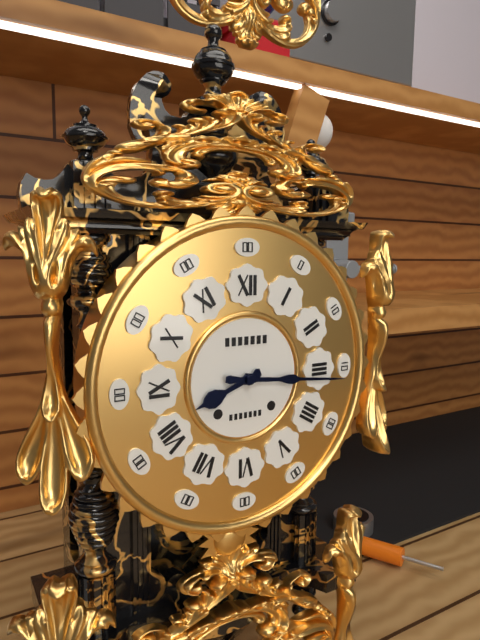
8:16
